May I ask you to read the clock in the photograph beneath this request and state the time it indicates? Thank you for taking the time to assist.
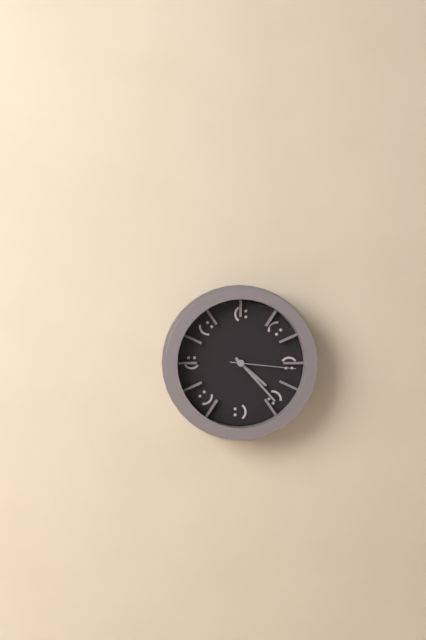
4:23:16
